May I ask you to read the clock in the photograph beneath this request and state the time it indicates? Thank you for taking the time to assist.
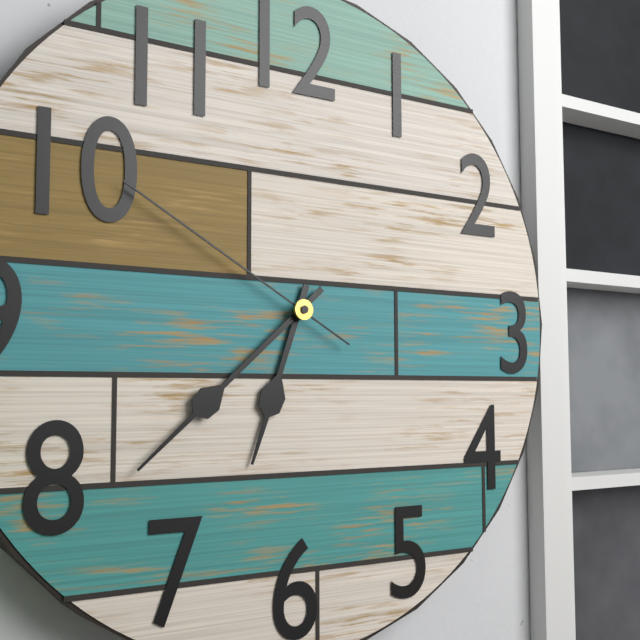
6:38:50
